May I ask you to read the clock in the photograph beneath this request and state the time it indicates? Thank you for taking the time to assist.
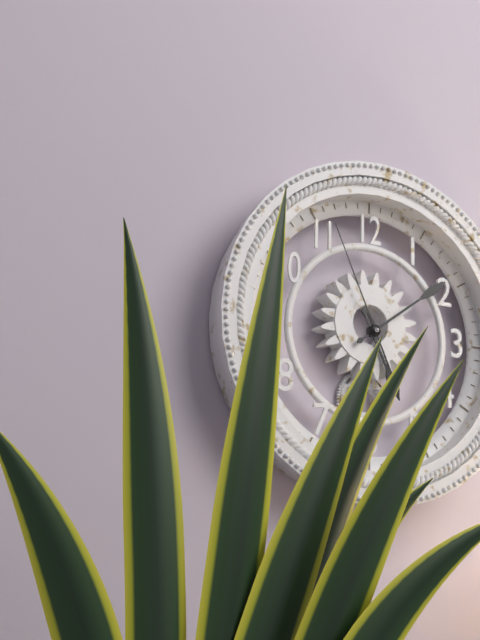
5:09:56
